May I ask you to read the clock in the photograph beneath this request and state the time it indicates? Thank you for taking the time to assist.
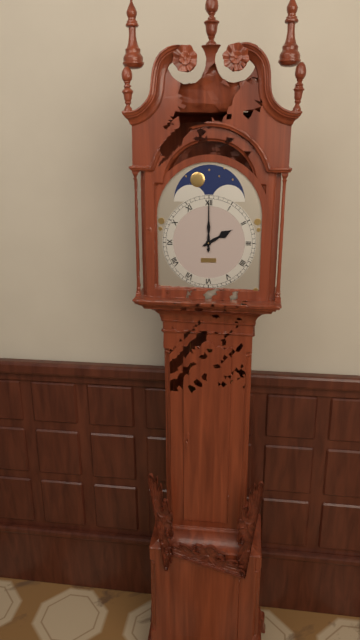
2:00
